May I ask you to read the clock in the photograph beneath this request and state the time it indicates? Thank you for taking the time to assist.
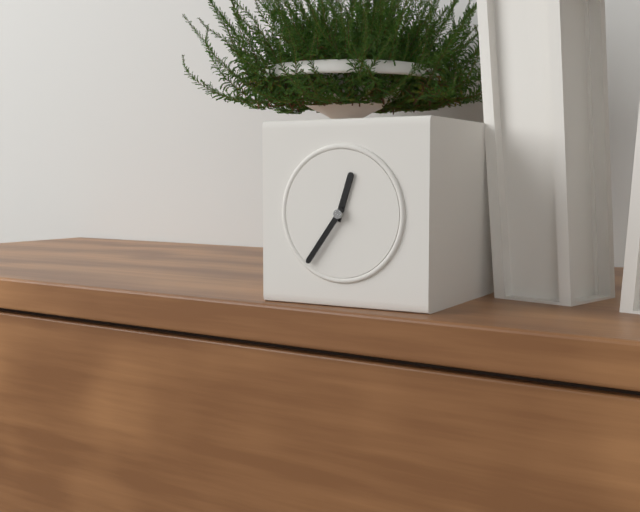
12:36
